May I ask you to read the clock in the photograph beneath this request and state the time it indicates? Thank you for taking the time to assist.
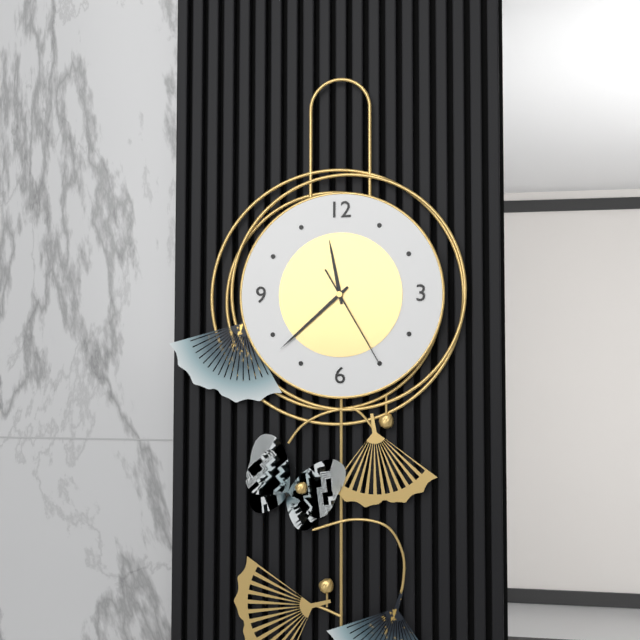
11:38:25
